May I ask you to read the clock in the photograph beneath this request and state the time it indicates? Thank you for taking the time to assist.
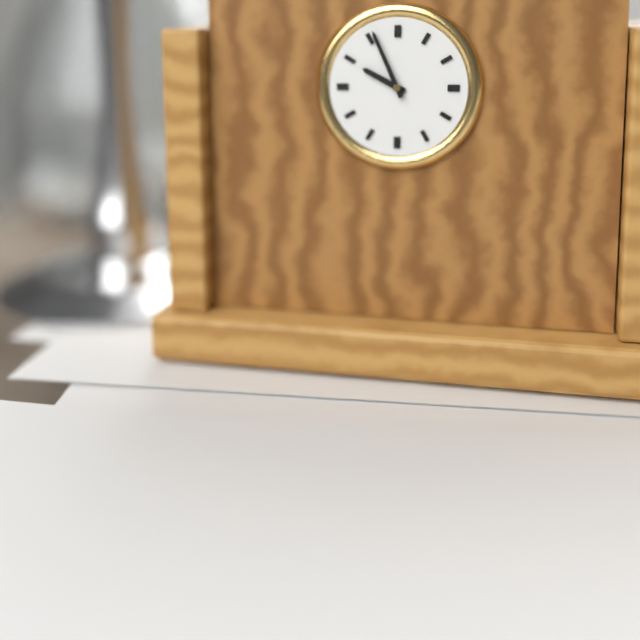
9:56
